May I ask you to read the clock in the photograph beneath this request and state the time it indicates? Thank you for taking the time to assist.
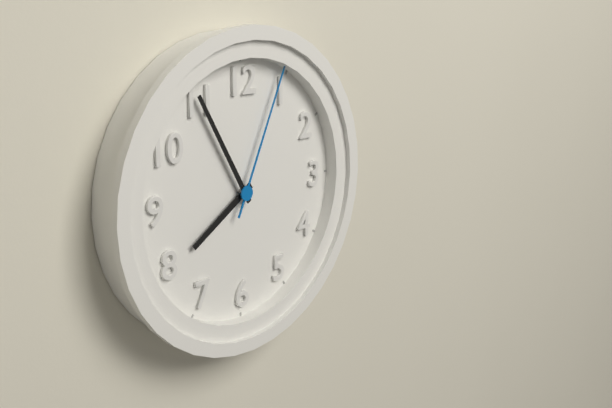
7:55:04
